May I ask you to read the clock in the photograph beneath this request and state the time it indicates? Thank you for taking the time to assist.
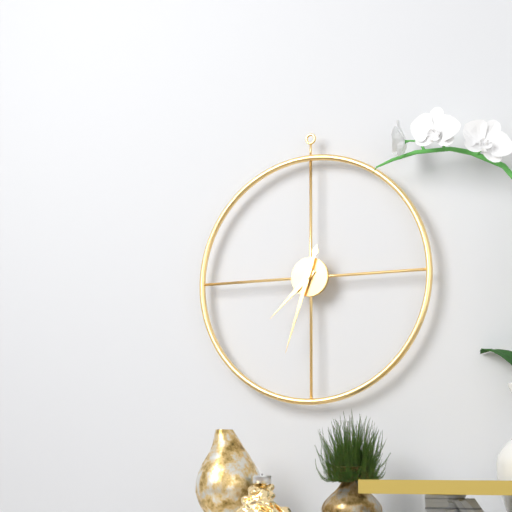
7:33
